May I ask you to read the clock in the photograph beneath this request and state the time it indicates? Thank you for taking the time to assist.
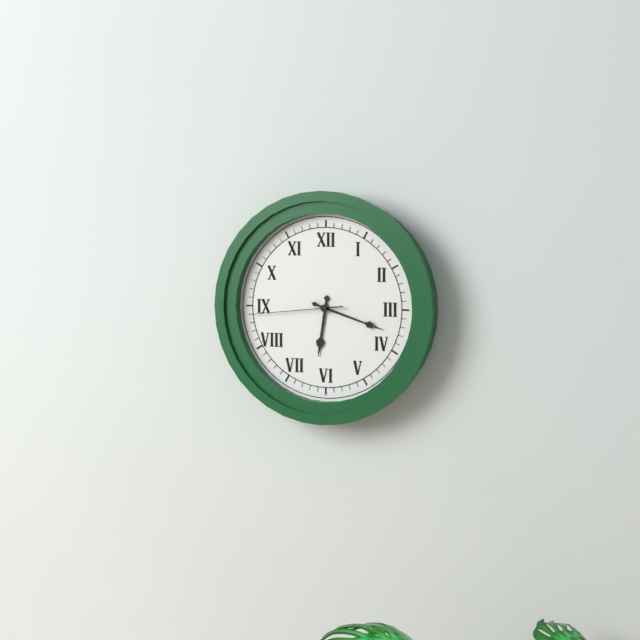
6:18:44
